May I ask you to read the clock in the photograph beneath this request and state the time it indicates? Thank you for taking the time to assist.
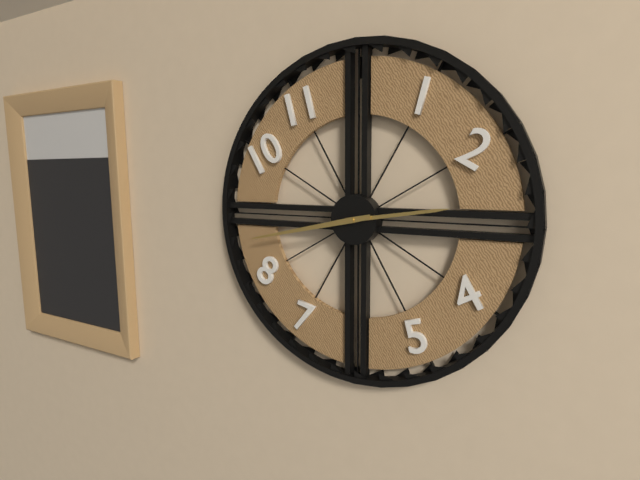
2:43
